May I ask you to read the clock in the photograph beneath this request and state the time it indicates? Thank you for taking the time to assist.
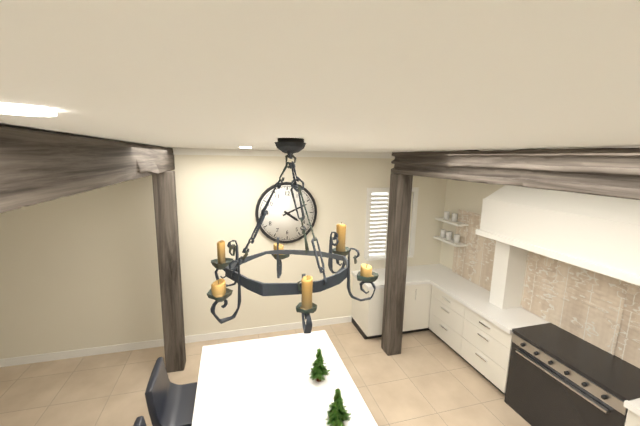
4:11
